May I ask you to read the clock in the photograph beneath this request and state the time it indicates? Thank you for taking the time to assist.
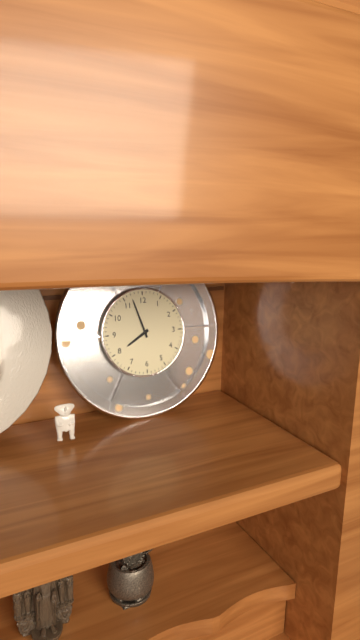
7:57
